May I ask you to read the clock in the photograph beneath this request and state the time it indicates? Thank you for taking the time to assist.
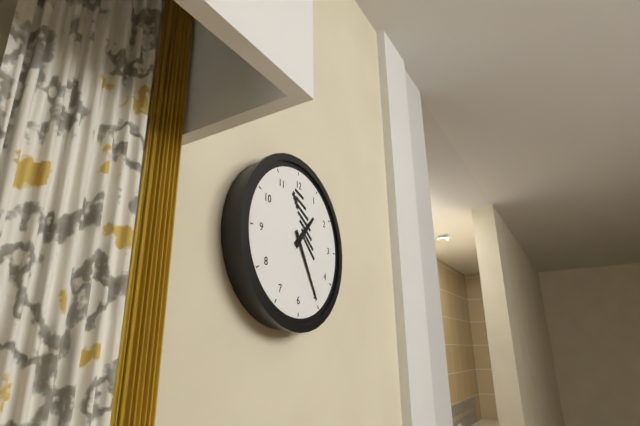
1:25
